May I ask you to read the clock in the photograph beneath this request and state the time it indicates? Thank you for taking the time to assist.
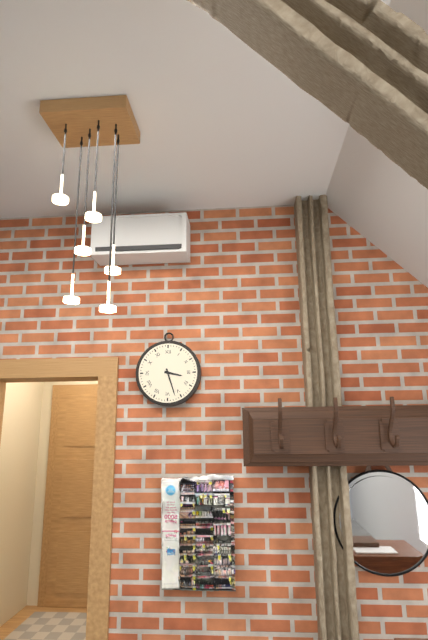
3:27
